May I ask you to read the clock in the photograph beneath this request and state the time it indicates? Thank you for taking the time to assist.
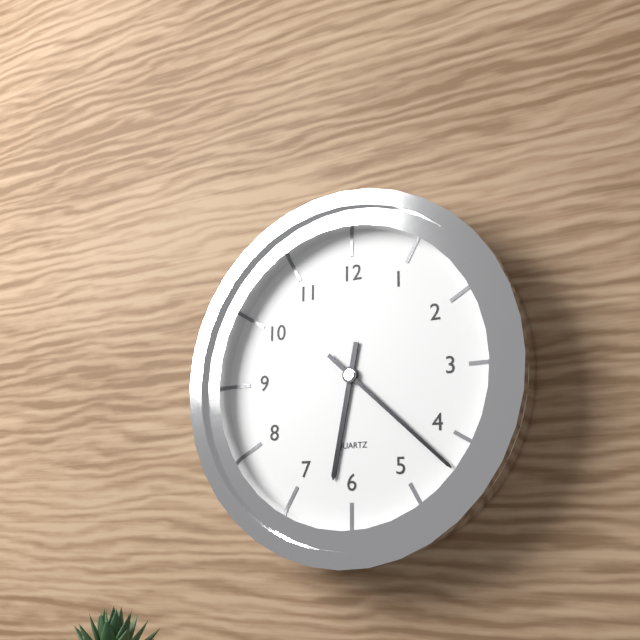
6:22
